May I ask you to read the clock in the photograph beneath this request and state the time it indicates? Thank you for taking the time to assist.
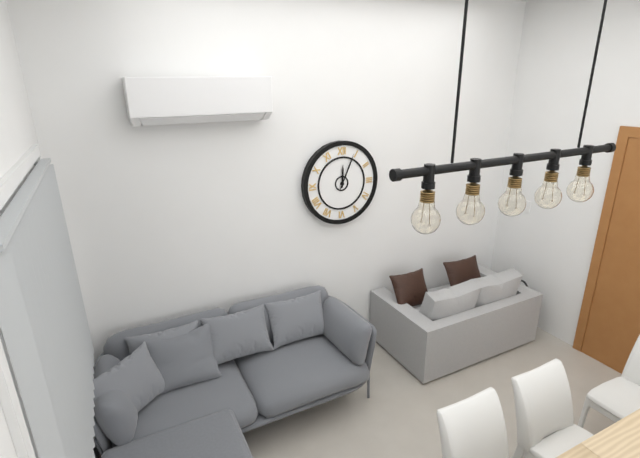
12:04
